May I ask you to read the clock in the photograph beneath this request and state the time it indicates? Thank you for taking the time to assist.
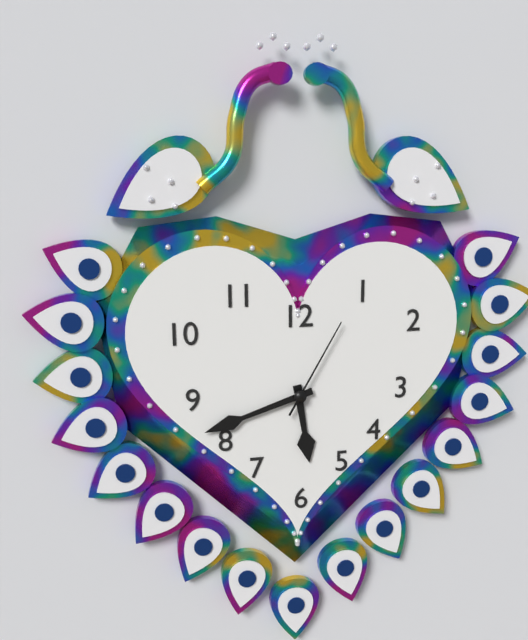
5:42:05
